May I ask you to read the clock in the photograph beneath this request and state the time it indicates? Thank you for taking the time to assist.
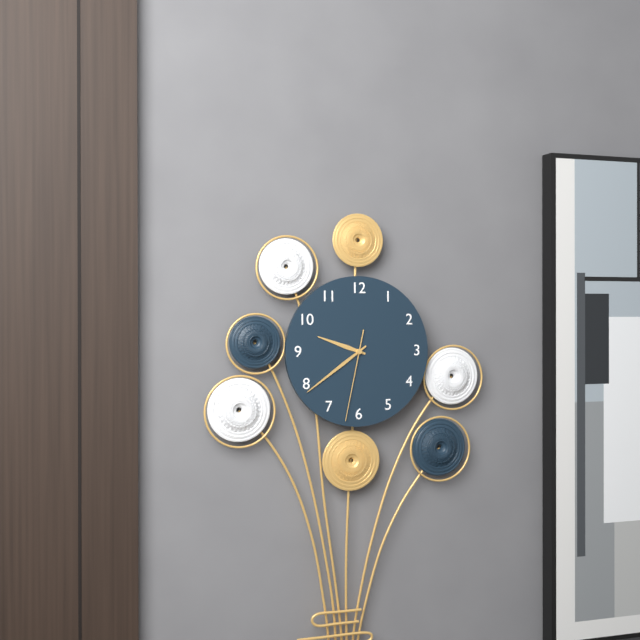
9:39:32
